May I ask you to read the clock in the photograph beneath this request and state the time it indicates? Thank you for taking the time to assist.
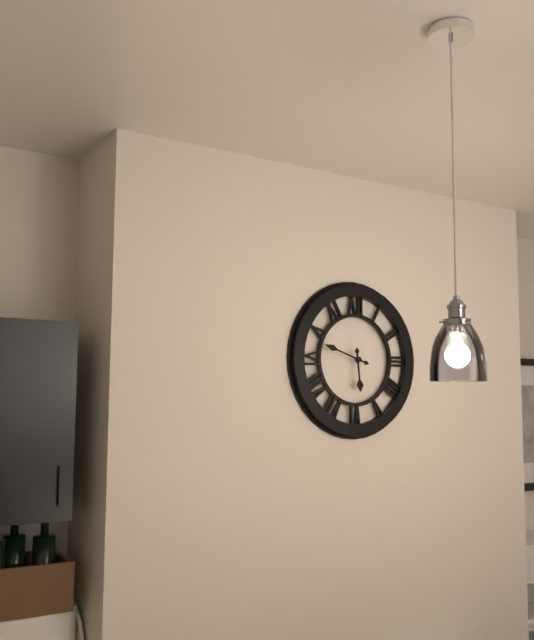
5:48
